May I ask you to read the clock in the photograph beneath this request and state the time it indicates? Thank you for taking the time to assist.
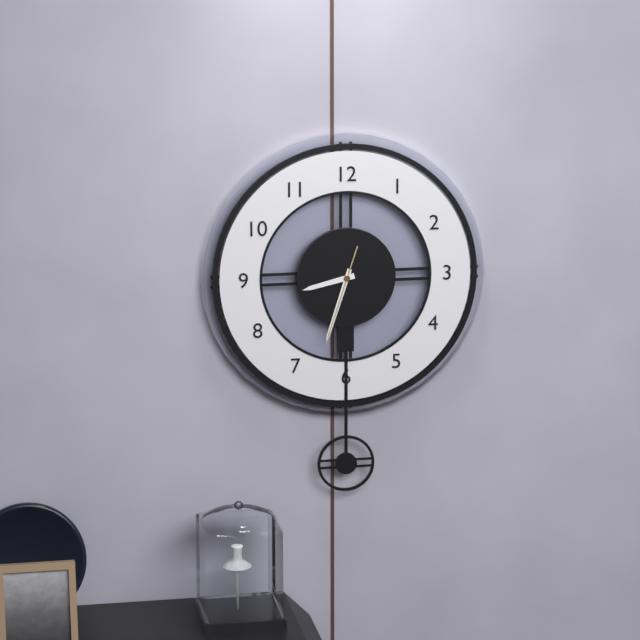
8:33:33
